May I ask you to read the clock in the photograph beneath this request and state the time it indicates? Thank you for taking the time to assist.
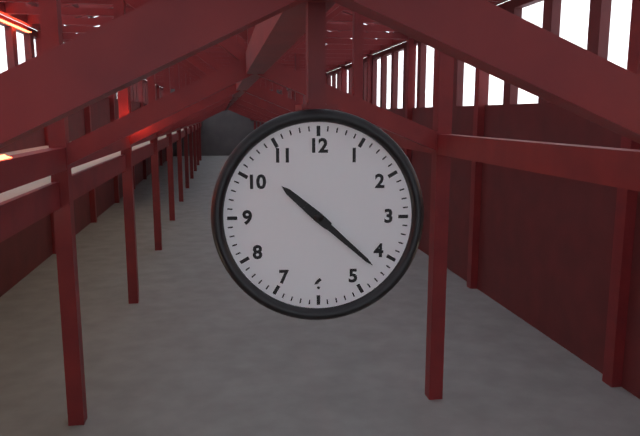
10:22
